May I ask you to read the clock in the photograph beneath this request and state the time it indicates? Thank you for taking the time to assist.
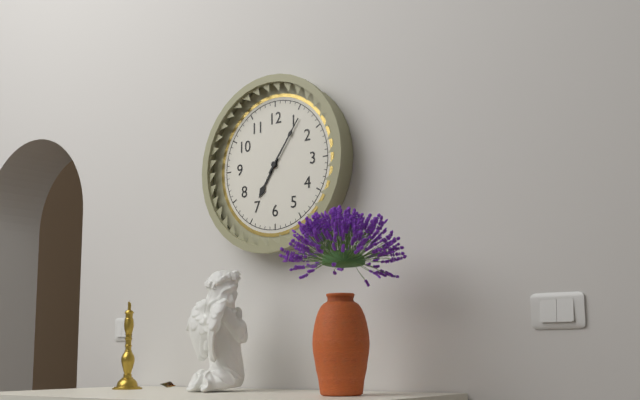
7:06
